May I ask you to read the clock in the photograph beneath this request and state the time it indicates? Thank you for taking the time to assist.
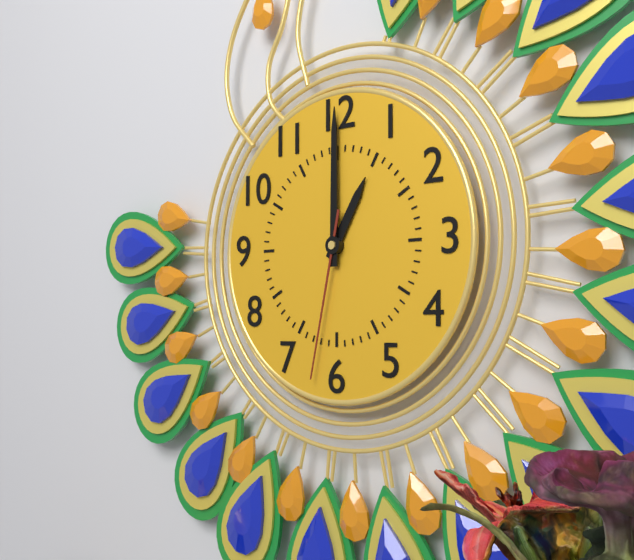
1:00:32
